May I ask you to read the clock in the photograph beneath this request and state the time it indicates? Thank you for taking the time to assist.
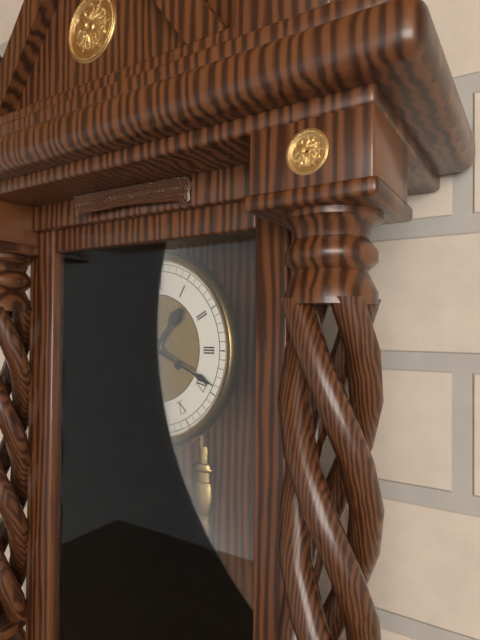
1:19
